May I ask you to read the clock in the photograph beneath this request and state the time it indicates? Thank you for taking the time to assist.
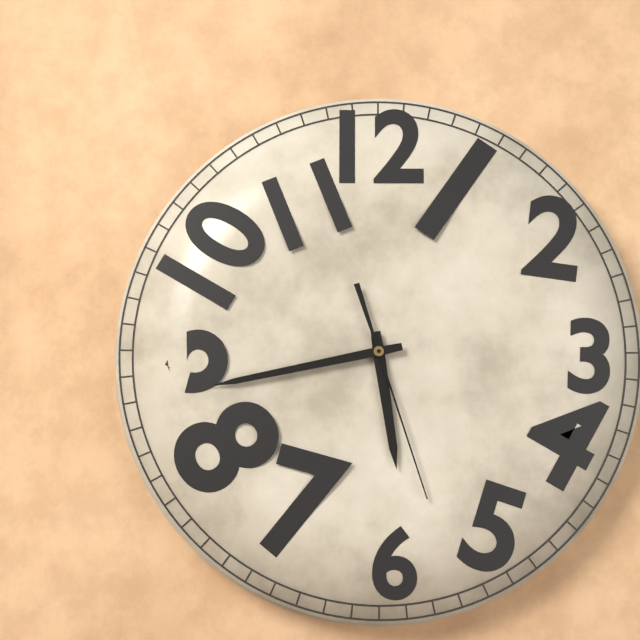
5:43:27
